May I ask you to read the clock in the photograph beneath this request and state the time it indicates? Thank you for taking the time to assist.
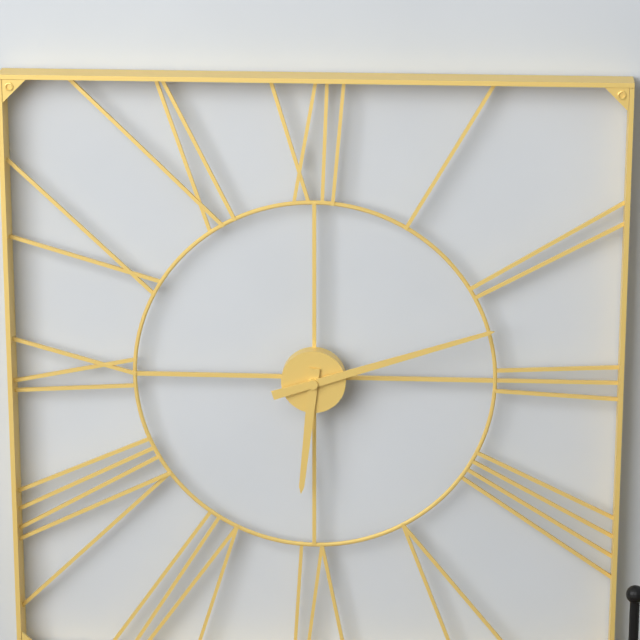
6:12
